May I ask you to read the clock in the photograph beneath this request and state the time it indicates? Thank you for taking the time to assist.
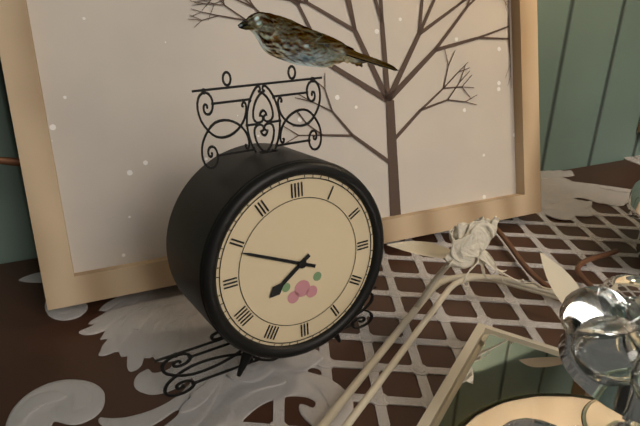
7:49
